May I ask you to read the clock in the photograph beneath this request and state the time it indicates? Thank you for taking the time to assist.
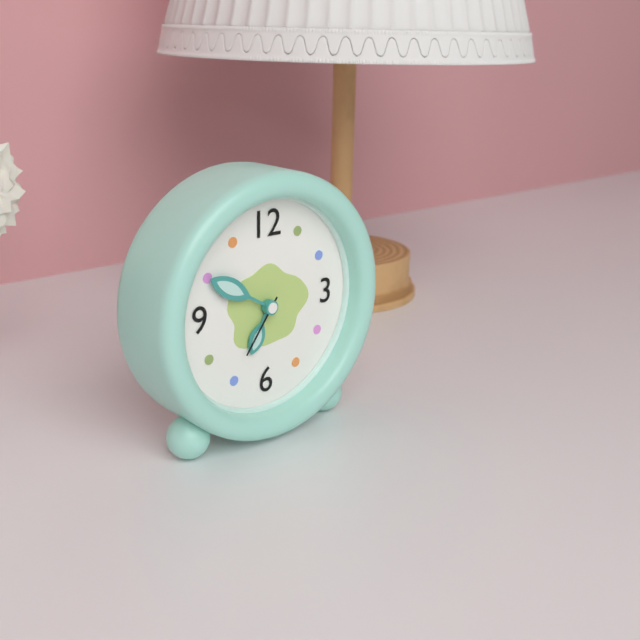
6:50:36
